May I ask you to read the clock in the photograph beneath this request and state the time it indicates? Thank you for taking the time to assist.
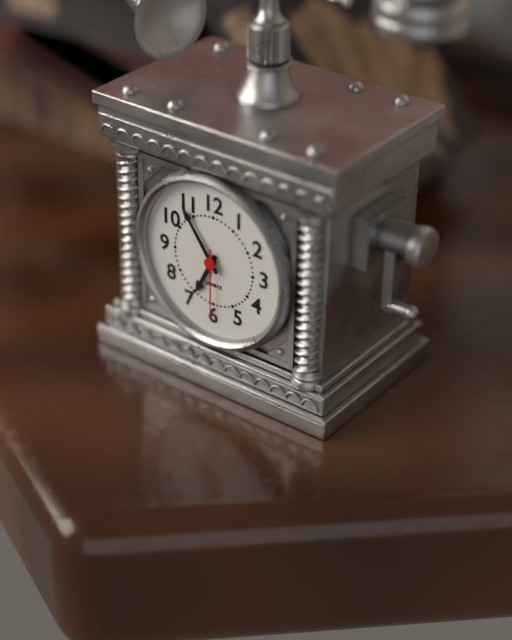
6:54:30
